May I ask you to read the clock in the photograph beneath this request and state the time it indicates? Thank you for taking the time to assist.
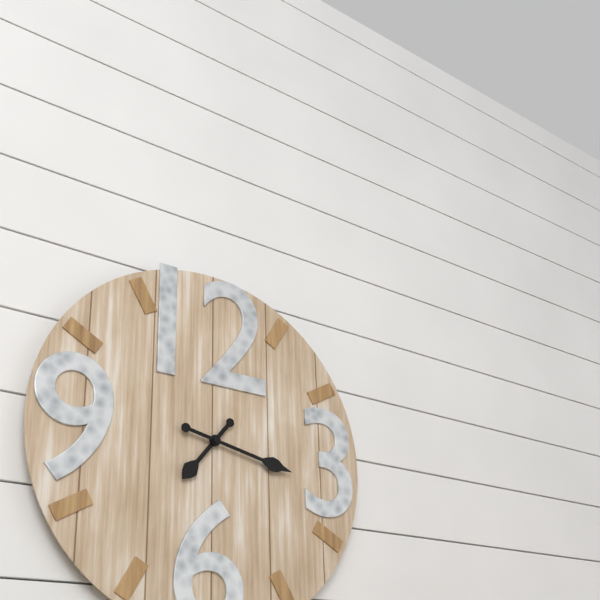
7:17
